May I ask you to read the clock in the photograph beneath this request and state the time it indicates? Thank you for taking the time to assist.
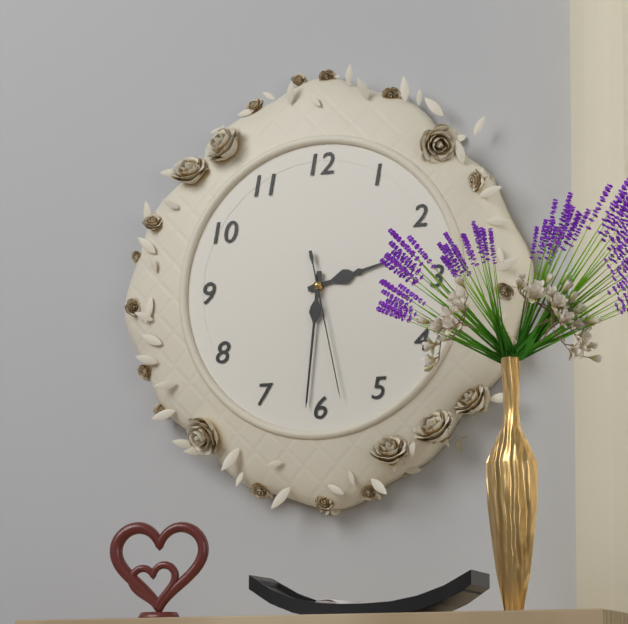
2:31:28
